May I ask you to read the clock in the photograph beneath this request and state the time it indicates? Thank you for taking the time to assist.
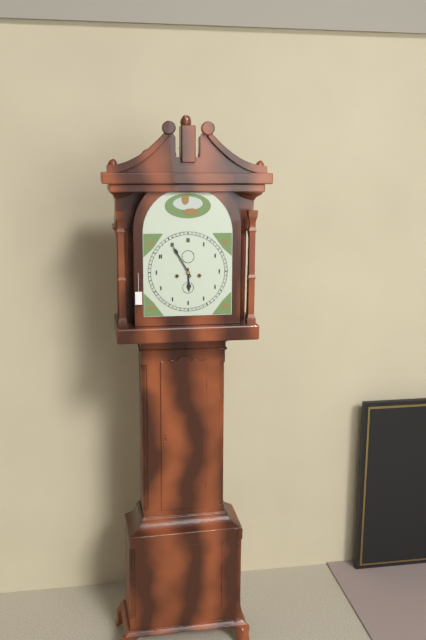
5:55
